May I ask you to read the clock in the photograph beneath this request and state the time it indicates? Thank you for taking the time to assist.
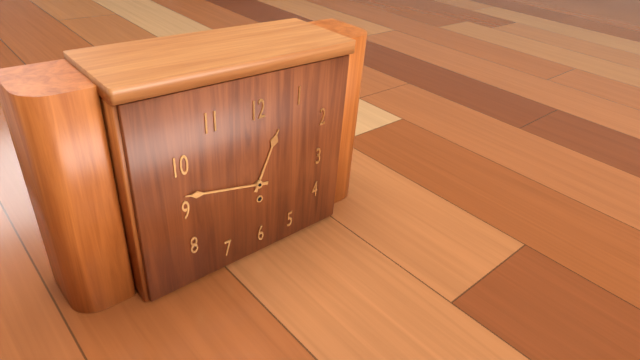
12:47
